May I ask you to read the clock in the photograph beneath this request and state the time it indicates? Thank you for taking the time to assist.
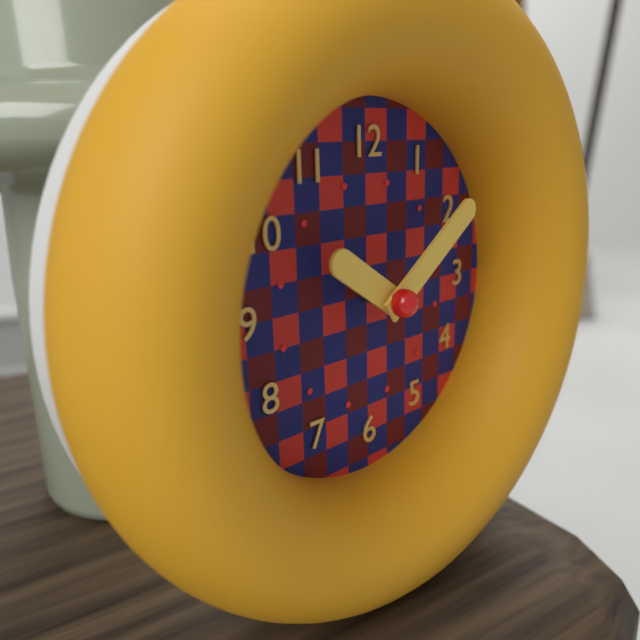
10:09
